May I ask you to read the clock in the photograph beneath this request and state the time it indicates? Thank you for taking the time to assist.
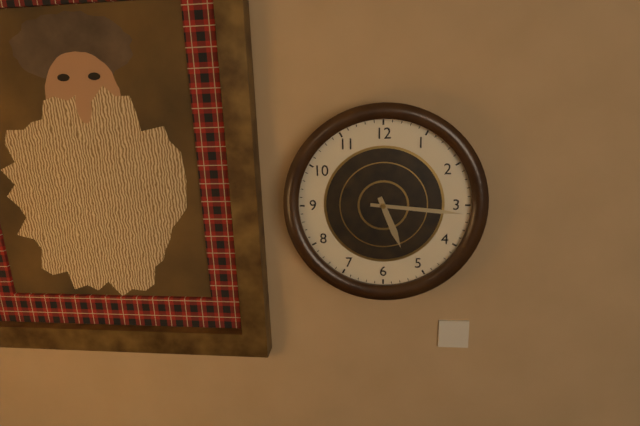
5:16
